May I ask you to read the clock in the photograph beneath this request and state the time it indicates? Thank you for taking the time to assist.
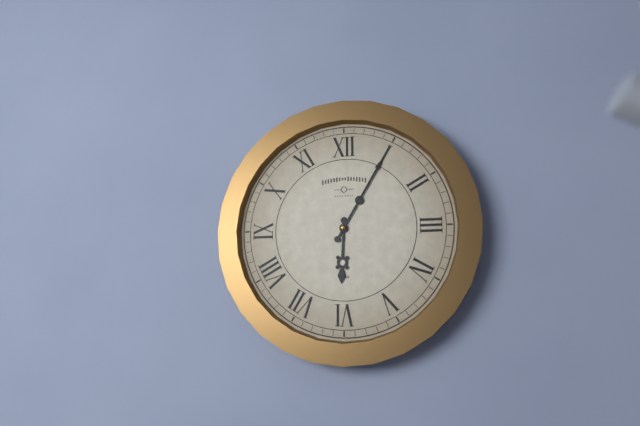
6:05
